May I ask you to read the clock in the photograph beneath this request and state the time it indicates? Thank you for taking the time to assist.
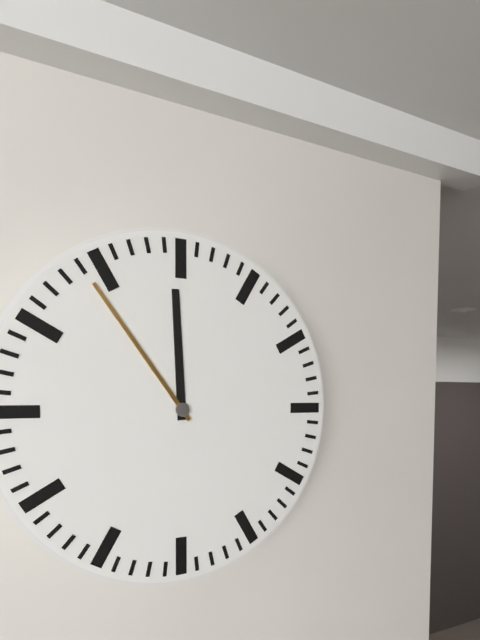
11:54
